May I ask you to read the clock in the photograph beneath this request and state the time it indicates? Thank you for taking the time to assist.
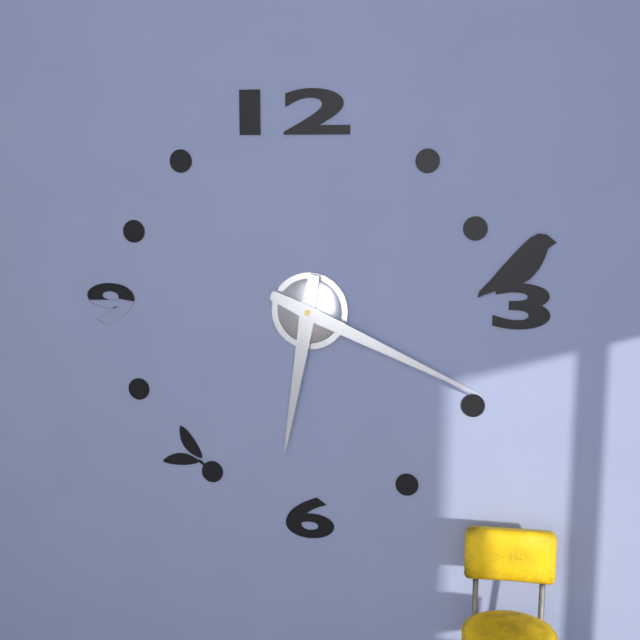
6:19
